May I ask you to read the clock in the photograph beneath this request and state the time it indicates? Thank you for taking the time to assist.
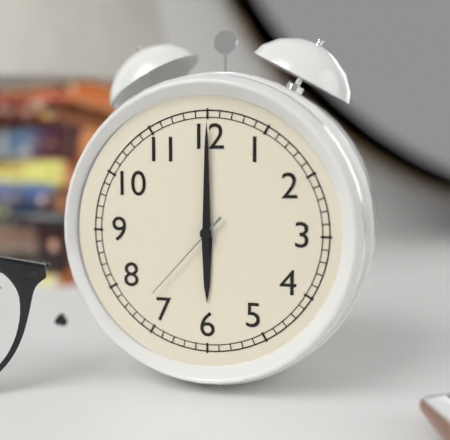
6:00:37
